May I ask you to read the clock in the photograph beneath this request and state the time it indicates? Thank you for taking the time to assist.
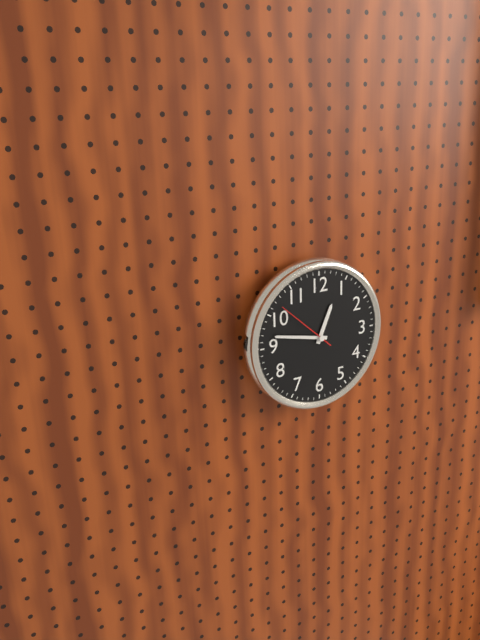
12:47:52
